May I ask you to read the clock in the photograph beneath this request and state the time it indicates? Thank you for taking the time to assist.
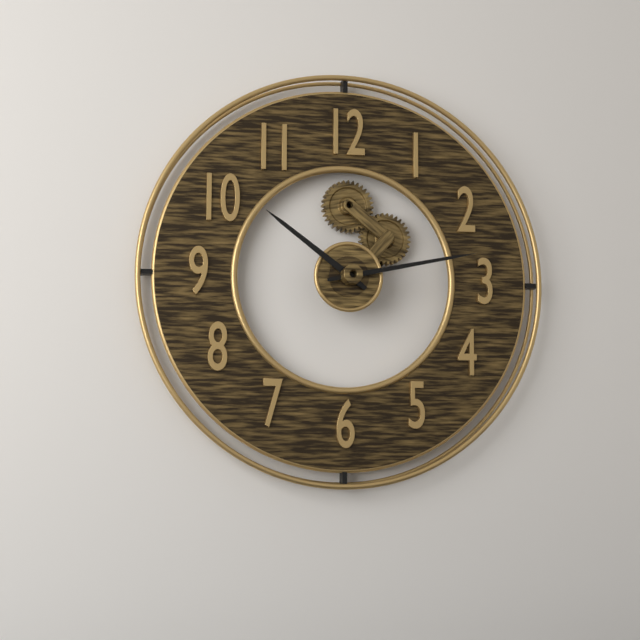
10:13
